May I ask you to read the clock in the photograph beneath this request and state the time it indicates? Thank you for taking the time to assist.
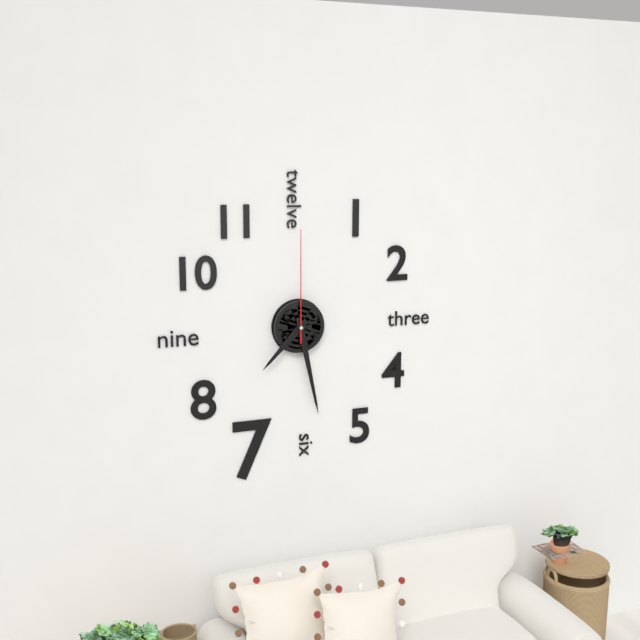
7:28:00
